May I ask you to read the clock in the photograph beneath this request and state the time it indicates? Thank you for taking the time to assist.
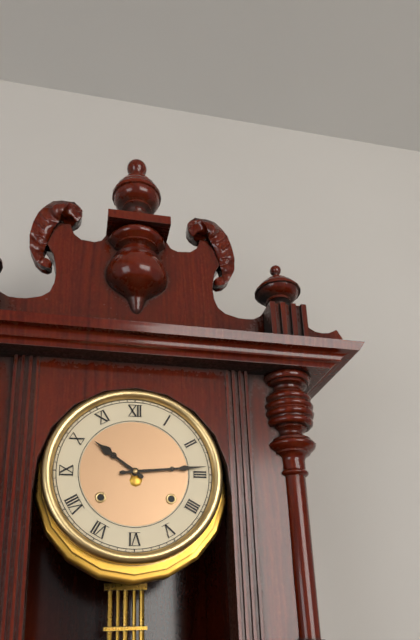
10:14
